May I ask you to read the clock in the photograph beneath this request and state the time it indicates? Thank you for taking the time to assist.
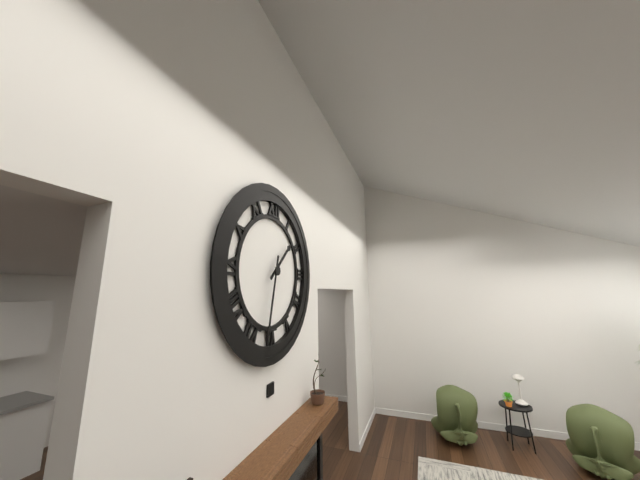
1:32
